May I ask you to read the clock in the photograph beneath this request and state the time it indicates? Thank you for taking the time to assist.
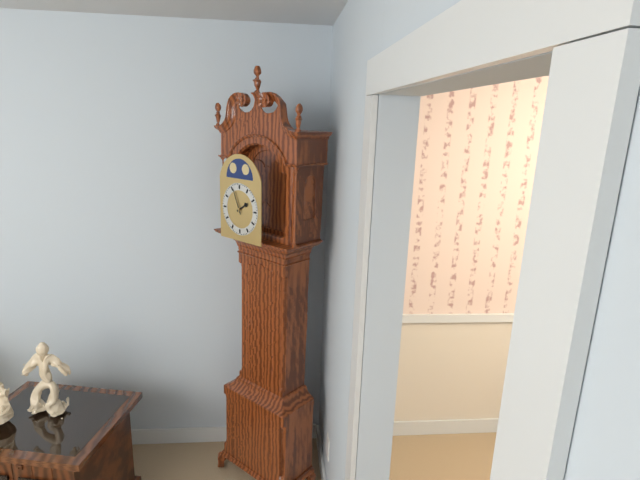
1:56
